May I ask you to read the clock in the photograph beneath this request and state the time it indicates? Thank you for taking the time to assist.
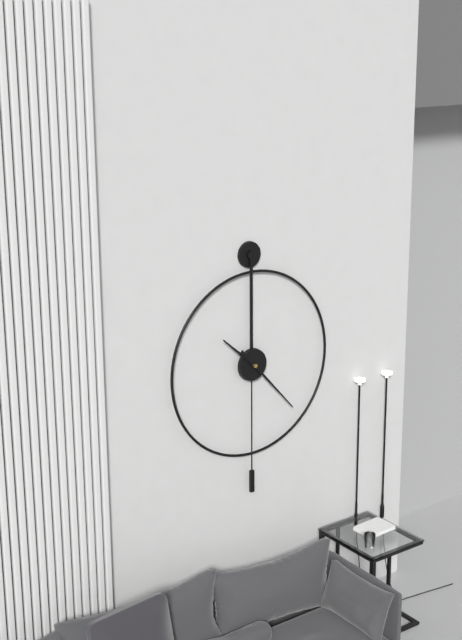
10:23
